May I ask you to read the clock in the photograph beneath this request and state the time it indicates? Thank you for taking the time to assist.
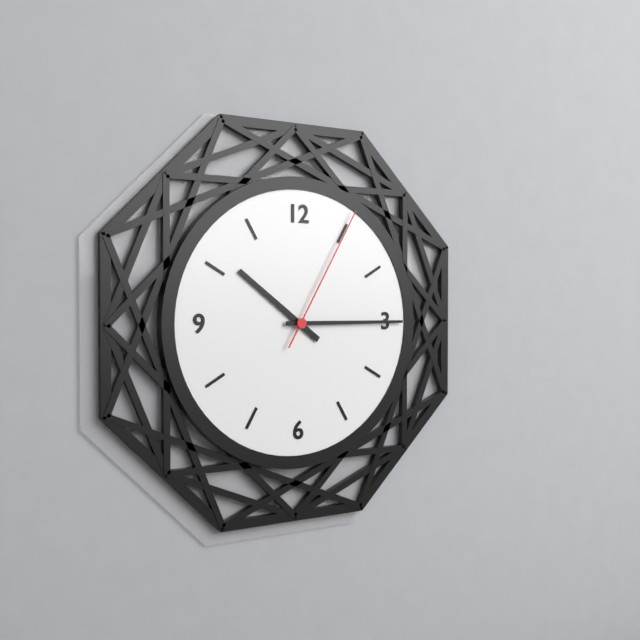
10:15:05
